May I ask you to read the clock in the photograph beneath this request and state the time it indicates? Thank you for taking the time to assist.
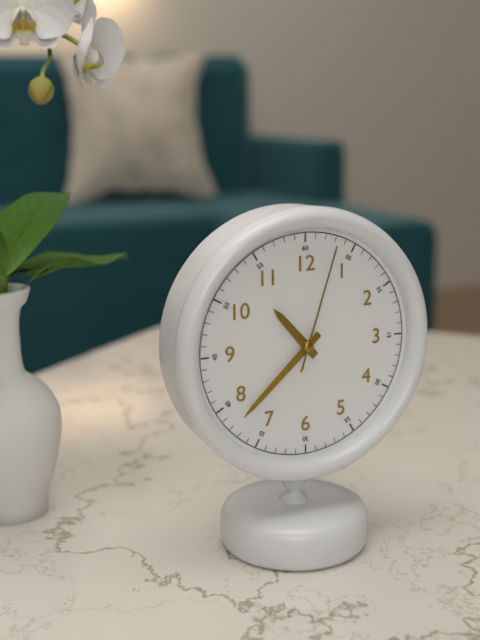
10:38:03
